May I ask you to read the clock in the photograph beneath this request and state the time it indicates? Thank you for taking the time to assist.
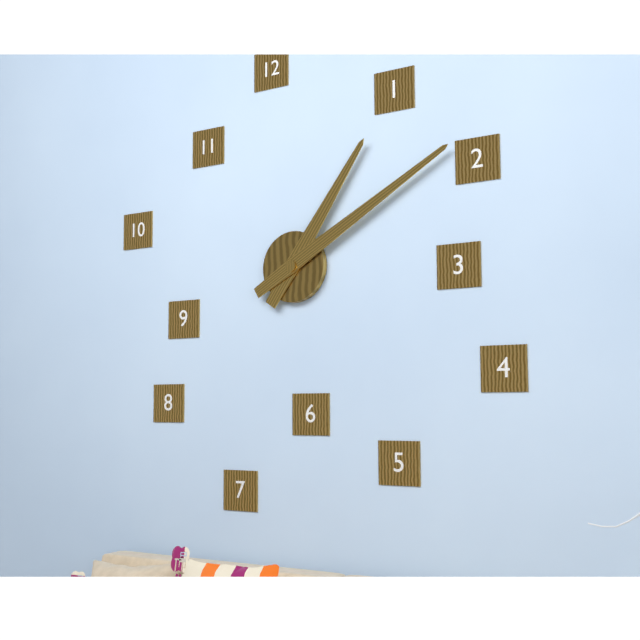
1:10
